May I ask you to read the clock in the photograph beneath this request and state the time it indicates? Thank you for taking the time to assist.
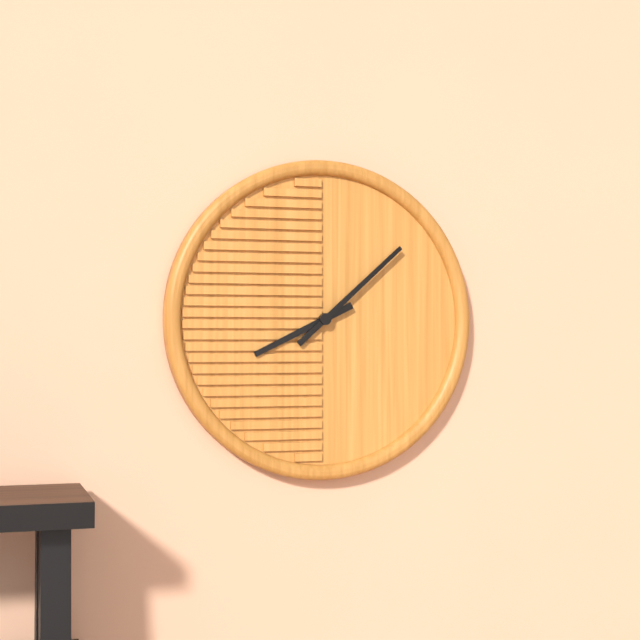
8:08
